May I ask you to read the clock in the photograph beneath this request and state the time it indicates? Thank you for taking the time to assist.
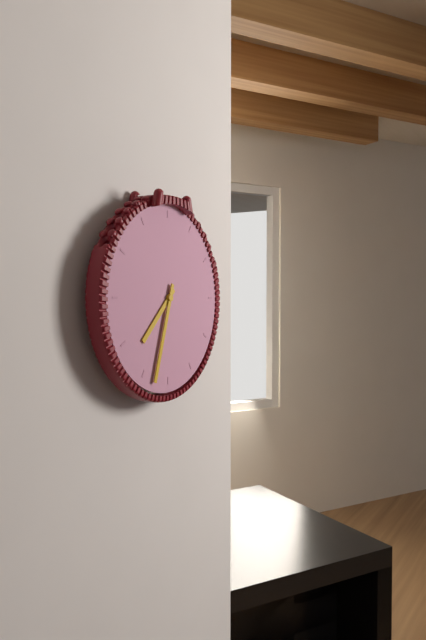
7:33
